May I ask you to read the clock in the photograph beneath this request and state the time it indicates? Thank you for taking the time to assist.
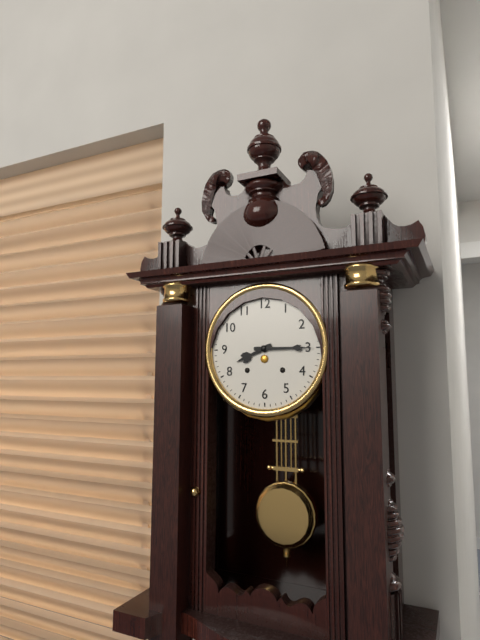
8:15
